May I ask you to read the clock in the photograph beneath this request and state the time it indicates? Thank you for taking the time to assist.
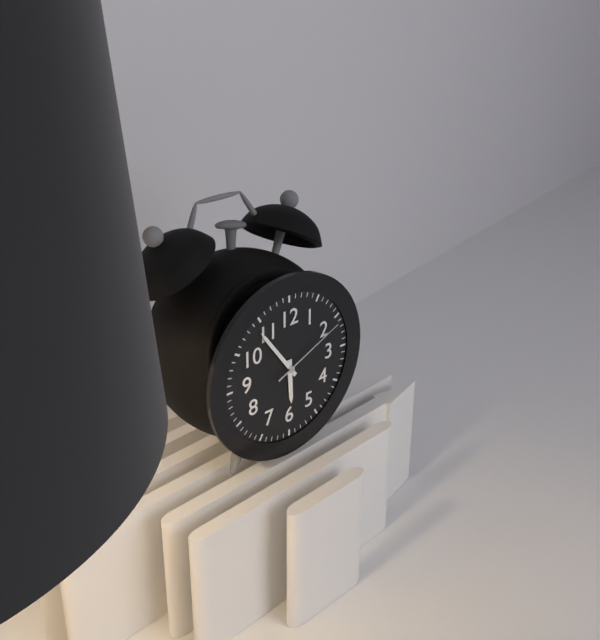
5:54:11
